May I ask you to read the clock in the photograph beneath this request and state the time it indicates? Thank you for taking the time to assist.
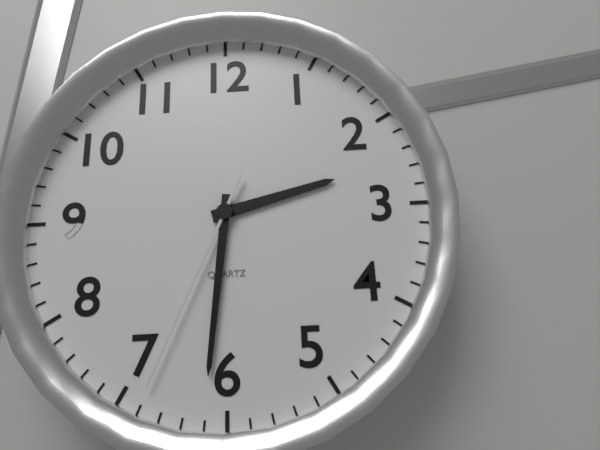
2:31:34
